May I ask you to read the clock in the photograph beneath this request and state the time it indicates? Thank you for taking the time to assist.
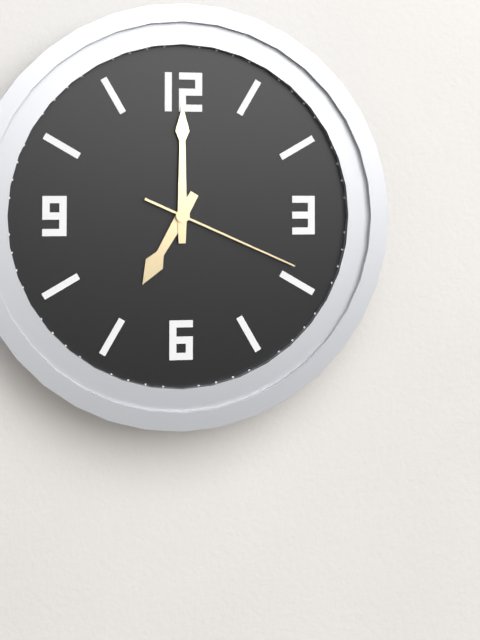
7:00:19
